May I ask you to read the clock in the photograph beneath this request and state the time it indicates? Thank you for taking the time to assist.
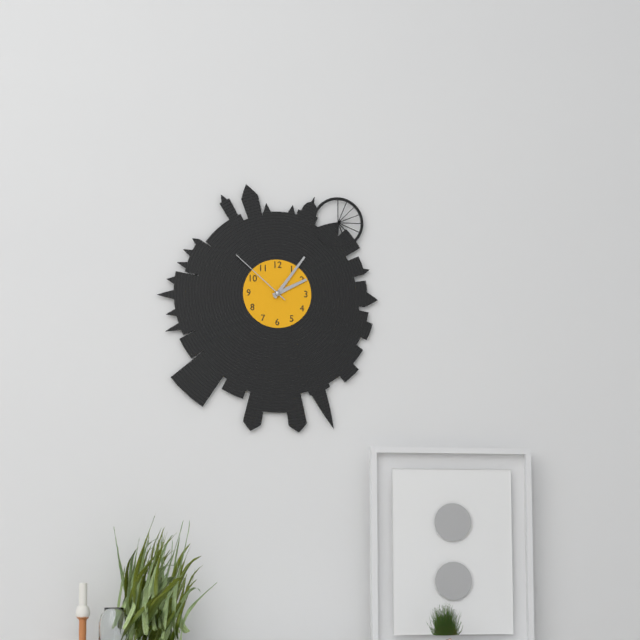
2:06:52
